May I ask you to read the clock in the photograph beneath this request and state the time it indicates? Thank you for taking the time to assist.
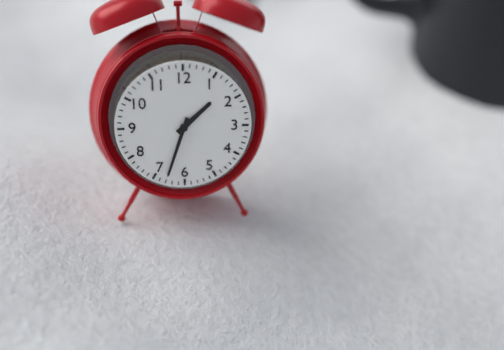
1:33
